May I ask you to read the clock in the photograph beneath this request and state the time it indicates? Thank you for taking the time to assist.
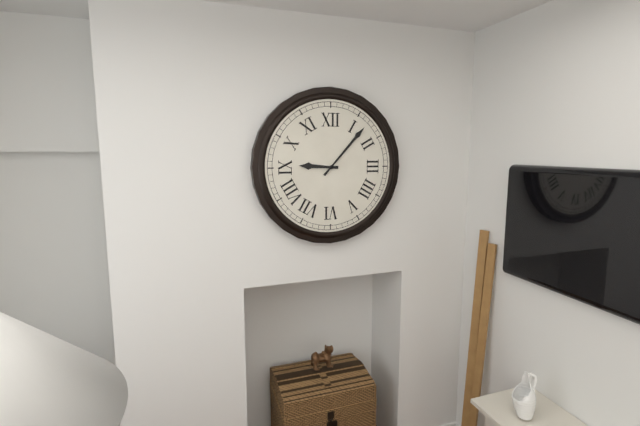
9:07
